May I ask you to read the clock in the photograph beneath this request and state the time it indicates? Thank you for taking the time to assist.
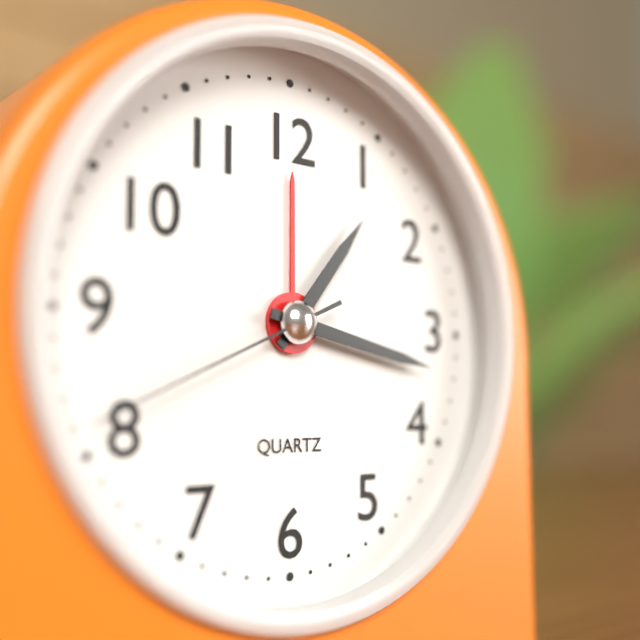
1:17:41
